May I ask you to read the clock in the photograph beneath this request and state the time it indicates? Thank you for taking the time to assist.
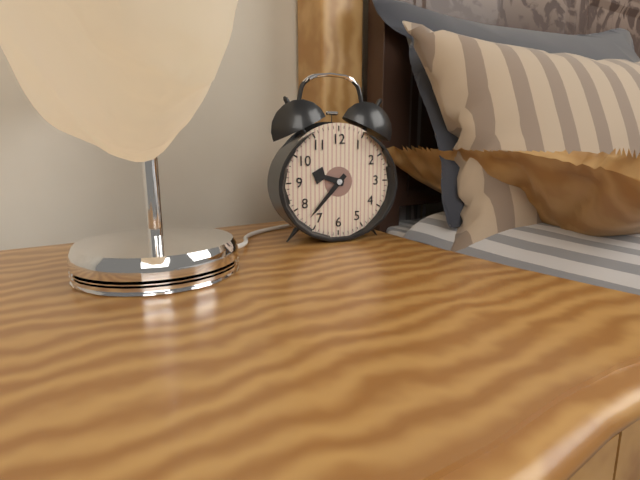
9:37
